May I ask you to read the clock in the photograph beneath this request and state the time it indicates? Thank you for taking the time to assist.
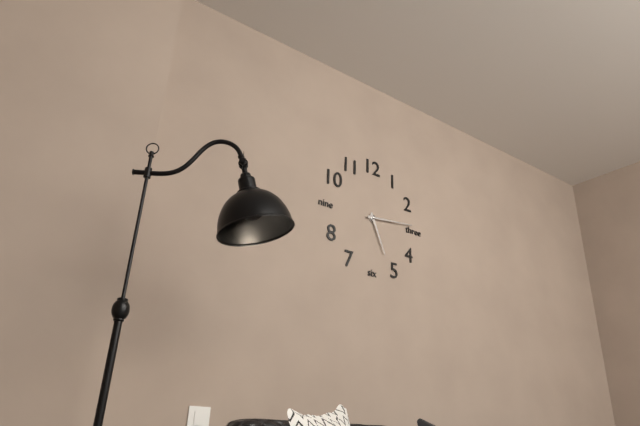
5:14
